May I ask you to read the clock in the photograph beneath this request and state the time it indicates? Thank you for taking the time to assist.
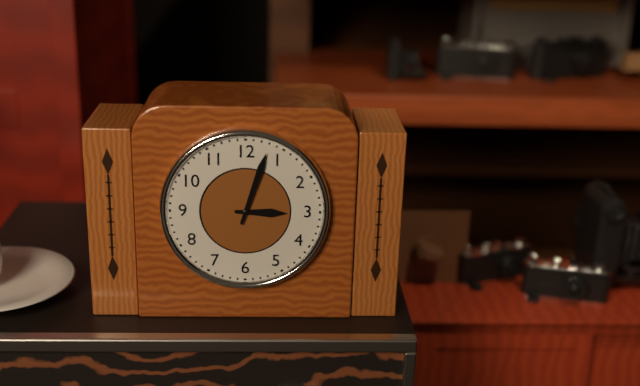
3:03
